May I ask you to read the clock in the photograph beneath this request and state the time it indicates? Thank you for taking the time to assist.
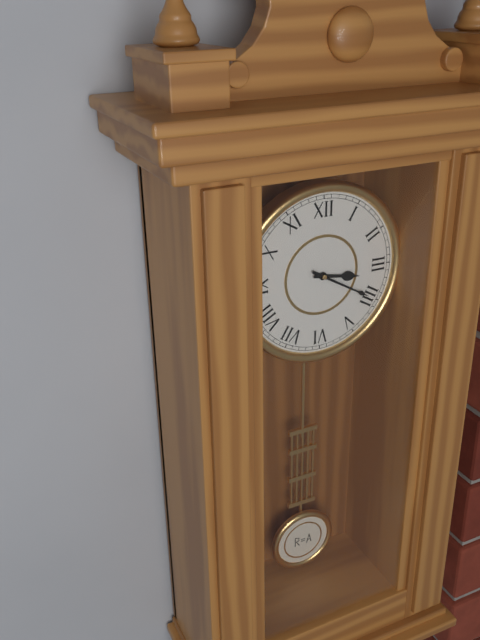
3:20
